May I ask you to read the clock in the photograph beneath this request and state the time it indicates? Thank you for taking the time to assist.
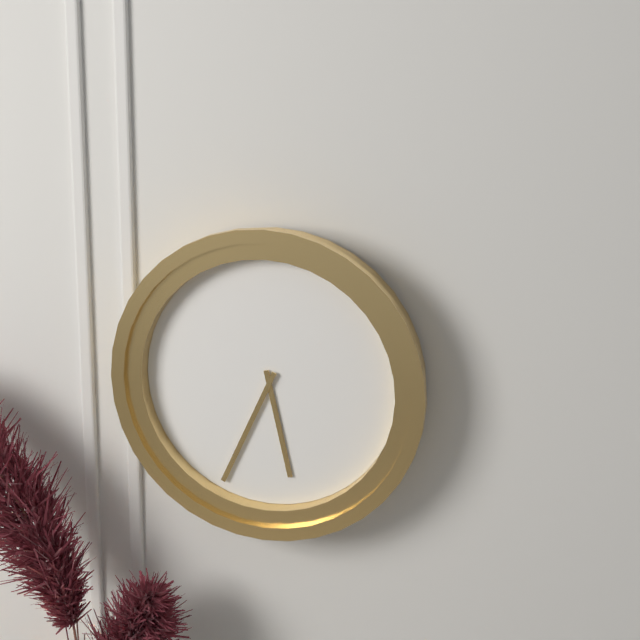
5:34
